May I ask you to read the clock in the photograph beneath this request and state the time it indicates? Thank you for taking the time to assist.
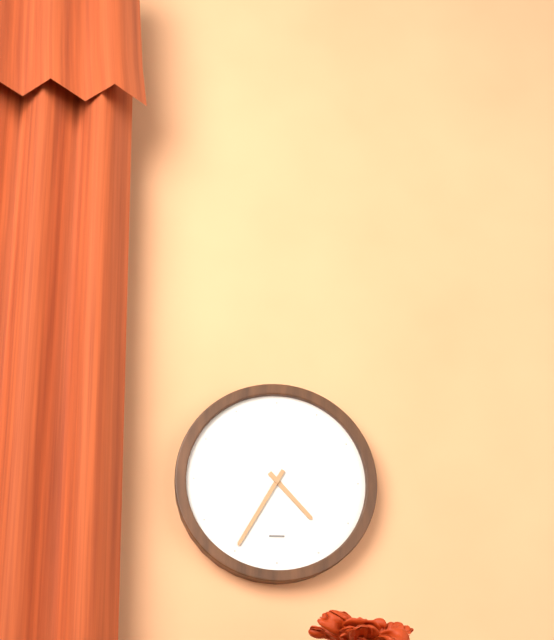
4:35
